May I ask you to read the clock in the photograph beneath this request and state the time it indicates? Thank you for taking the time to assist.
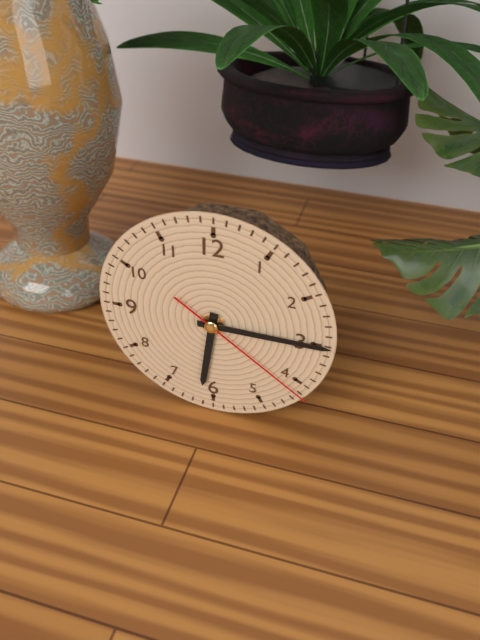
6:15:21
